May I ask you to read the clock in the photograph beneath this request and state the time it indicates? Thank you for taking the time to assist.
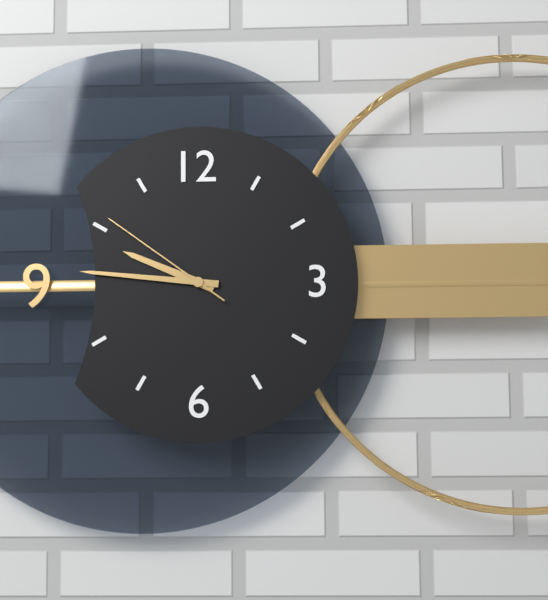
9:46:51
